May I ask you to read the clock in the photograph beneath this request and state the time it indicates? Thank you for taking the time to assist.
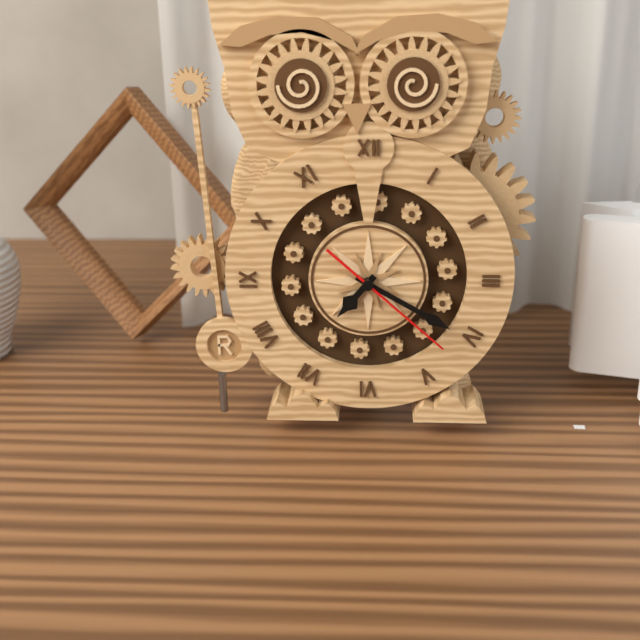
7:20:22
